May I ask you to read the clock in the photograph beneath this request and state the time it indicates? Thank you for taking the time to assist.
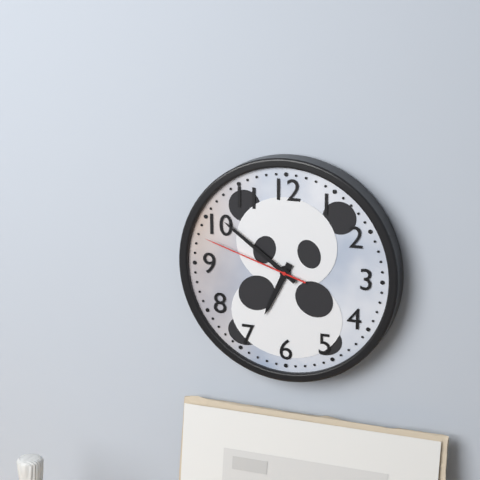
6:51:48
